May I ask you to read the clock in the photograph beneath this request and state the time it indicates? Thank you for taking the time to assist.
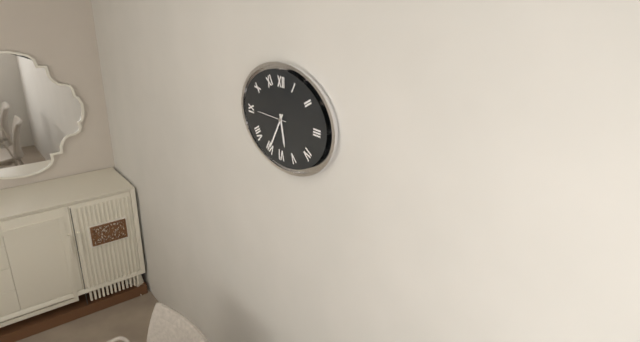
5:35
